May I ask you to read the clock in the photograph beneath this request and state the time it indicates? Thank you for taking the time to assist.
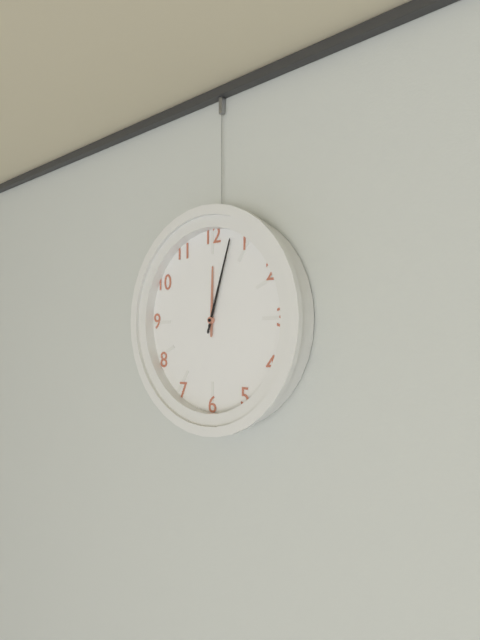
12:03
